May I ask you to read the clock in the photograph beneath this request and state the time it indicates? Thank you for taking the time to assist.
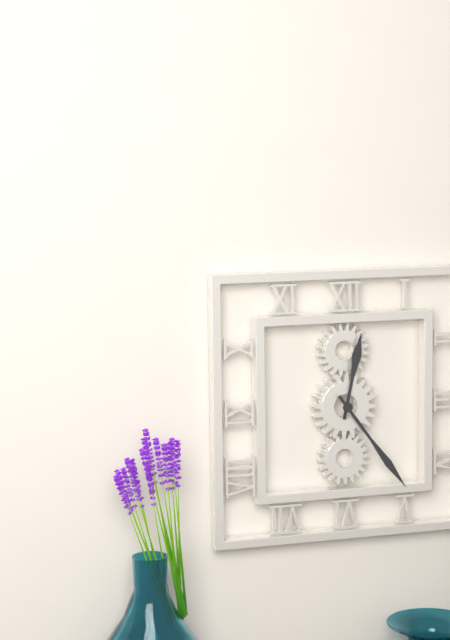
12:24
